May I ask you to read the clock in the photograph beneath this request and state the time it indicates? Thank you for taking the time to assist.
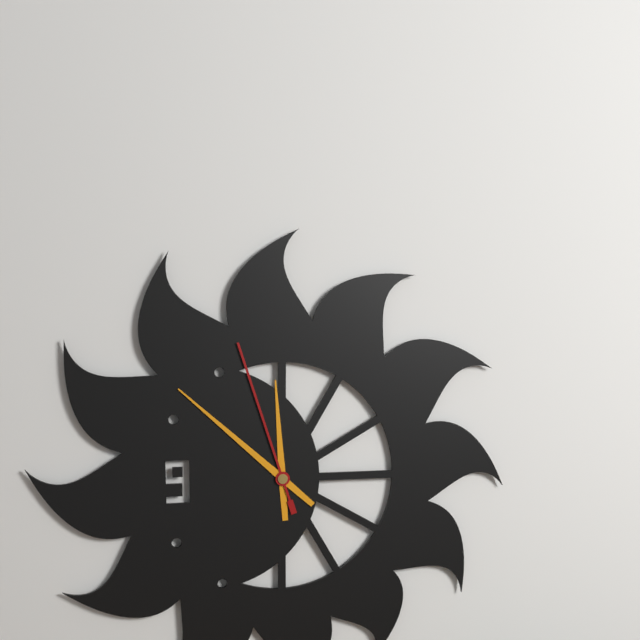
11:52:57
